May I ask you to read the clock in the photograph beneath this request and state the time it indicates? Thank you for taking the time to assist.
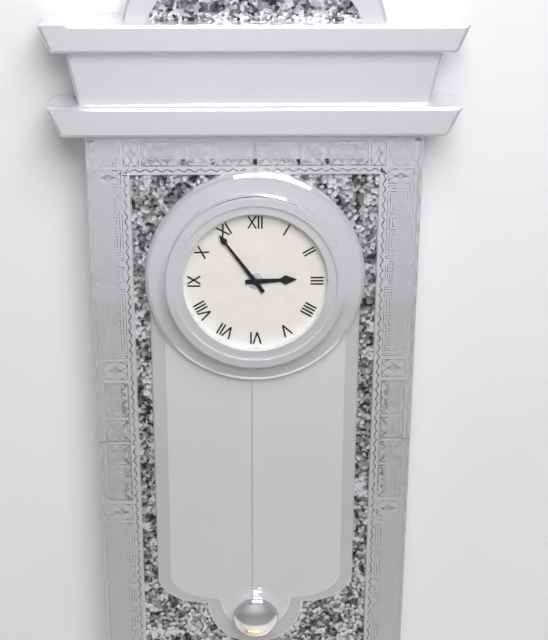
2:54
